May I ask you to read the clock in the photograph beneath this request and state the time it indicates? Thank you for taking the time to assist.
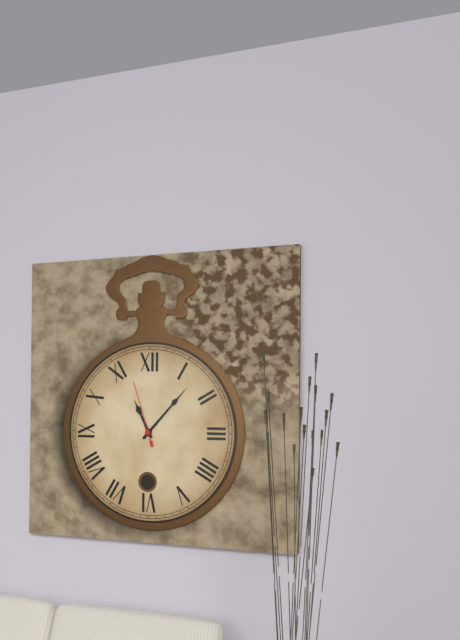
11:07:57
